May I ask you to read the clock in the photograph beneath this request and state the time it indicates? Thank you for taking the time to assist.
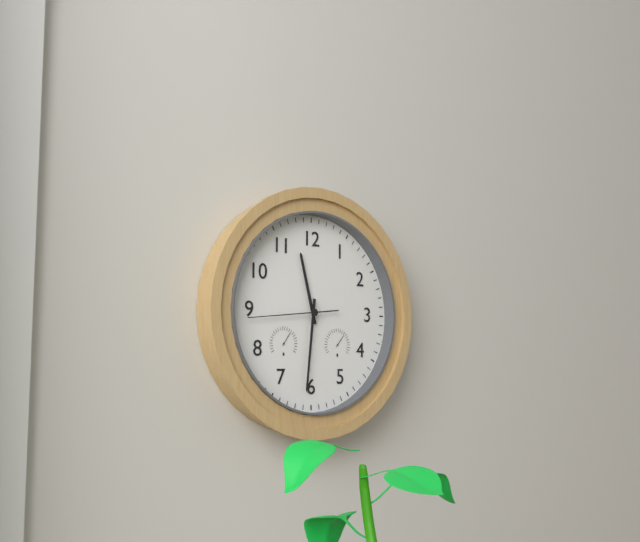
11:31:44
